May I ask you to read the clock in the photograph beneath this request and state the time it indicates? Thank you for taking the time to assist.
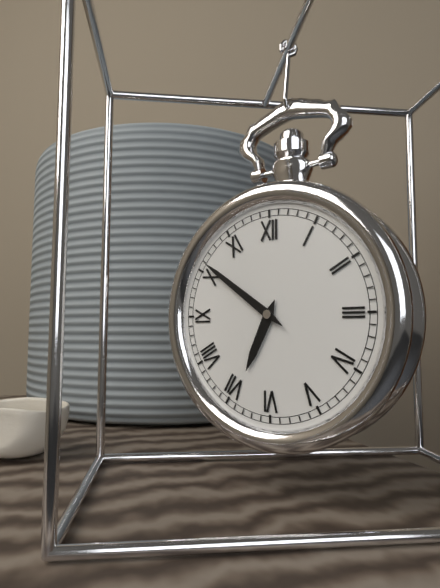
6:51
